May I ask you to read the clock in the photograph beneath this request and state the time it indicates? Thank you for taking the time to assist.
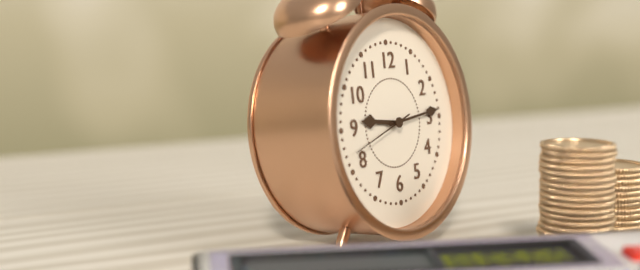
9:14:42
